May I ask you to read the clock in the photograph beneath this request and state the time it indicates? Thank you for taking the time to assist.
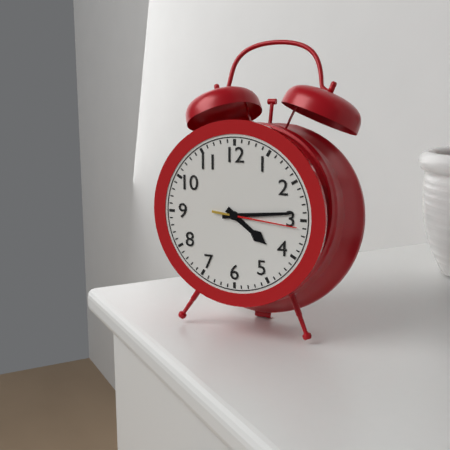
4:14:16
